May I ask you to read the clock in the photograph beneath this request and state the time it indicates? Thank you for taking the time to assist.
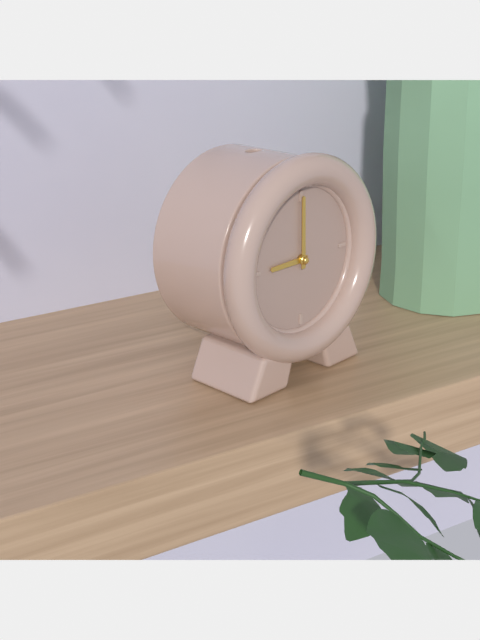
9:00
